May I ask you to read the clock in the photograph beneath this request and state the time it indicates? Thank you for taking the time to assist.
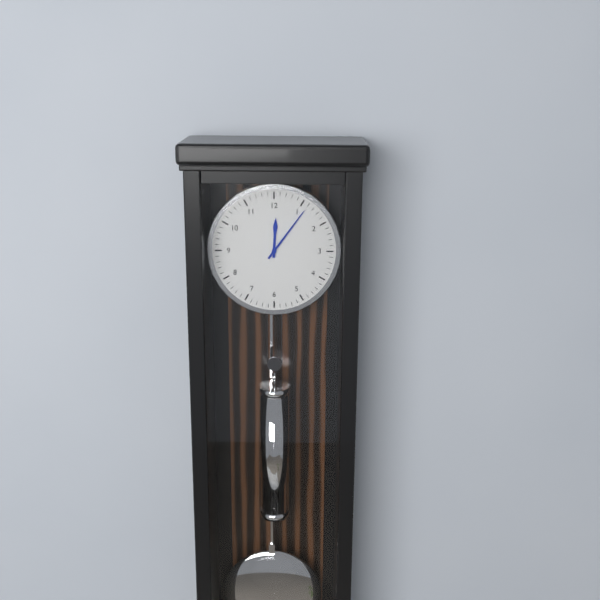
12:06
